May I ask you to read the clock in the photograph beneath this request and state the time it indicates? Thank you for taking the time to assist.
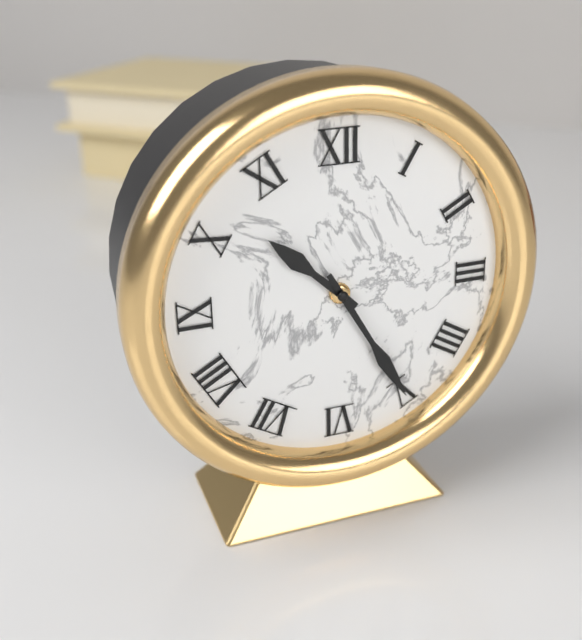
10:25
